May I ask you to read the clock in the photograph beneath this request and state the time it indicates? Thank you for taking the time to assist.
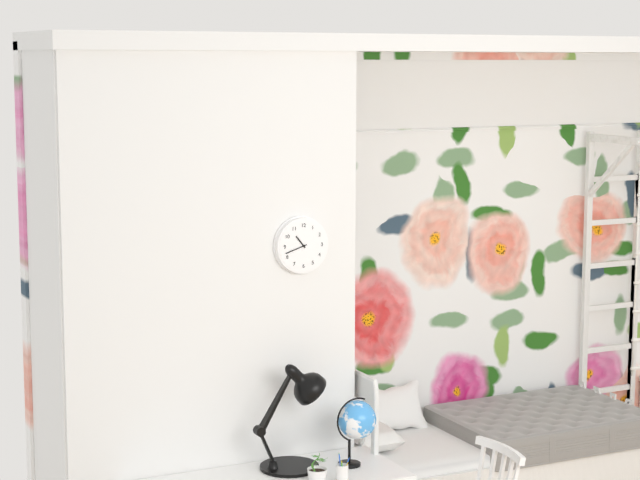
10:42
